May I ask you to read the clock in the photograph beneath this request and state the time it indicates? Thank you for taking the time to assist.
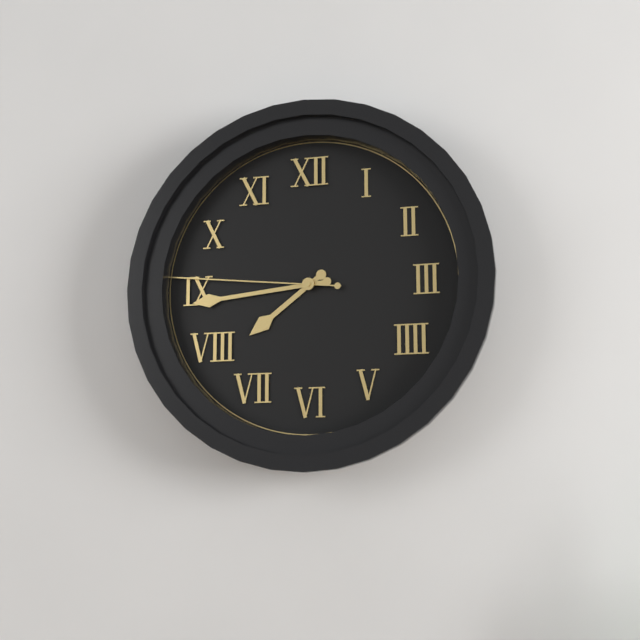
7:44:46
